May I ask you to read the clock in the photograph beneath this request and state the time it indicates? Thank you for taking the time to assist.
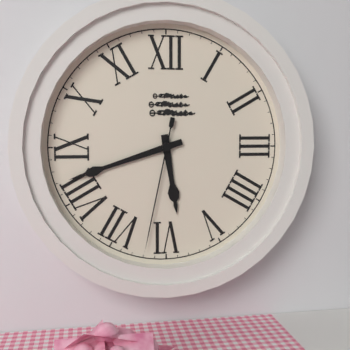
5:42:32
